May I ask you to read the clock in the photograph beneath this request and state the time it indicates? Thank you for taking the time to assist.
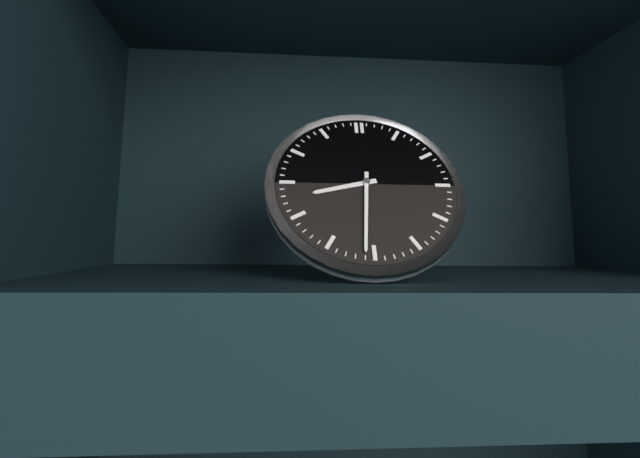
8:31
